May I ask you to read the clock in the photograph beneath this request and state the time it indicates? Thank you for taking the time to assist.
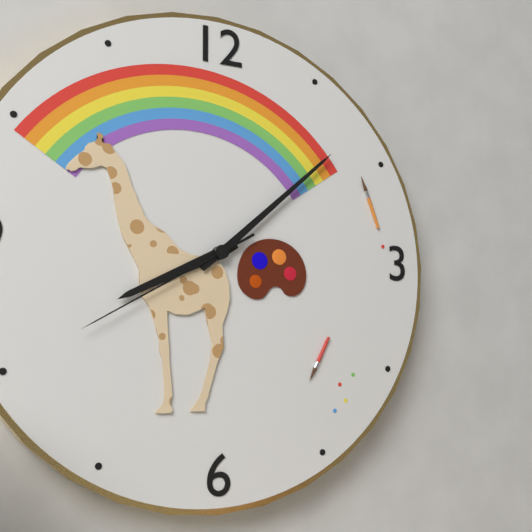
8:08:40
